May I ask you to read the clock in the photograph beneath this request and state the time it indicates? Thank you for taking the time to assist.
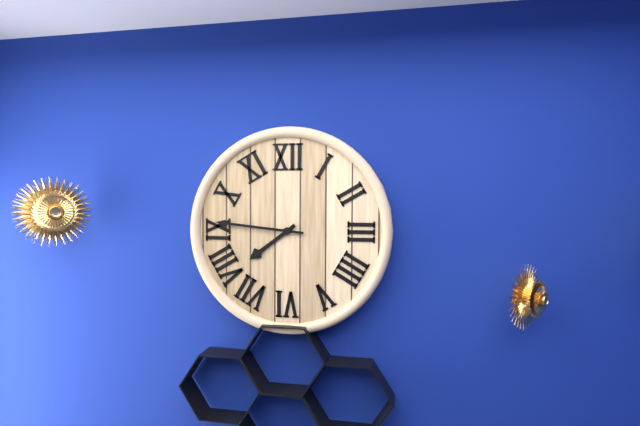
7:46
